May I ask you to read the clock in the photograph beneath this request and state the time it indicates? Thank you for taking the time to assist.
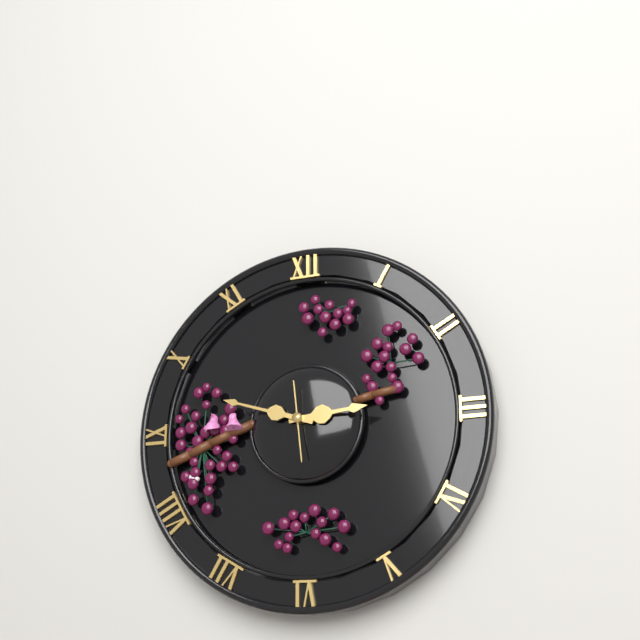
2:48:29
